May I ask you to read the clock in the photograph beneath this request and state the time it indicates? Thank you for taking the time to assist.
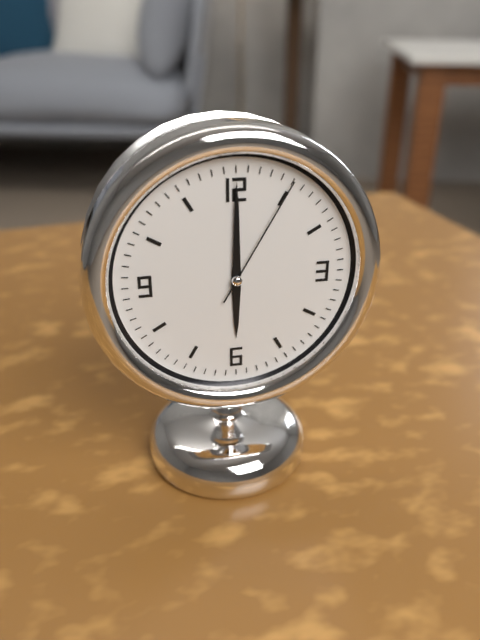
6:00:05
